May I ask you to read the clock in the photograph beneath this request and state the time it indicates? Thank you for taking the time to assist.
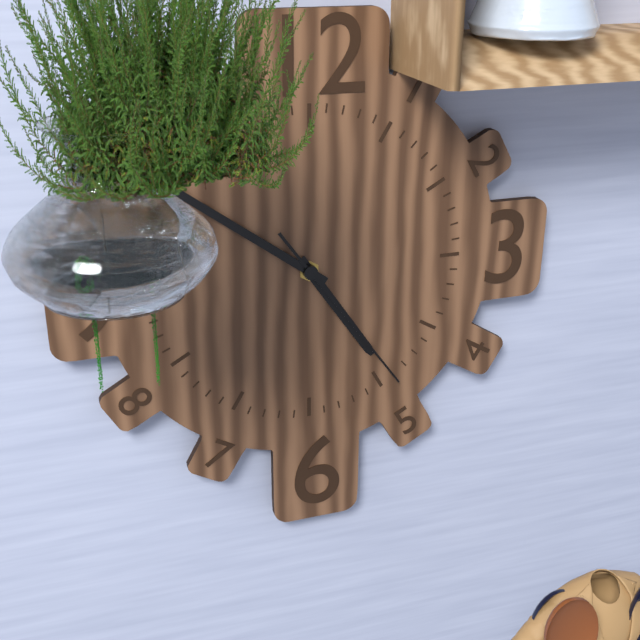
4:51:24
